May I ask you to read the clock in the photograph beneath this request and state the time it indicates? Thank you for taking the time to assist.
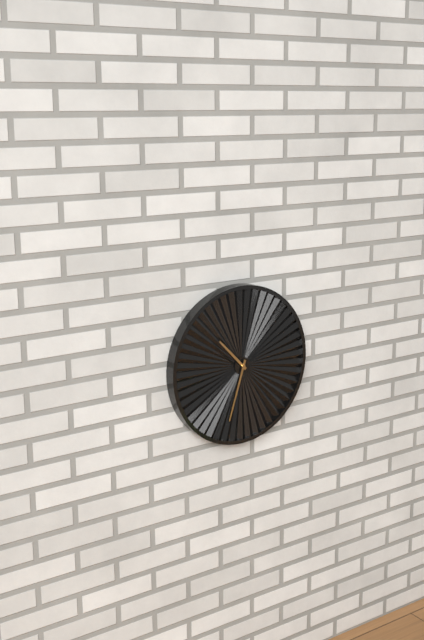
10:33
